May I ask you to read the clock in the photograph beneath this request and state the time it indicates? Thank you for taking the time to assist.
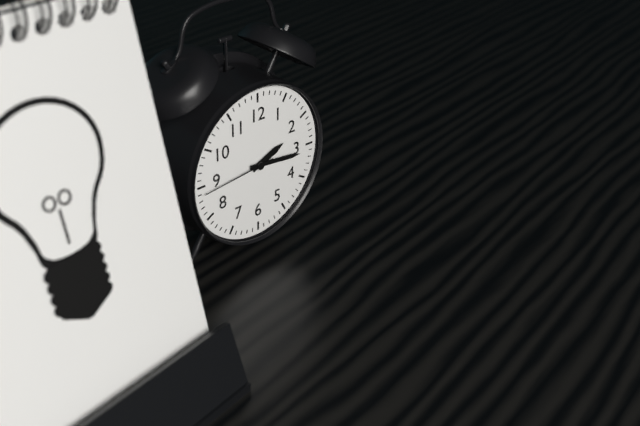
2:16:44
